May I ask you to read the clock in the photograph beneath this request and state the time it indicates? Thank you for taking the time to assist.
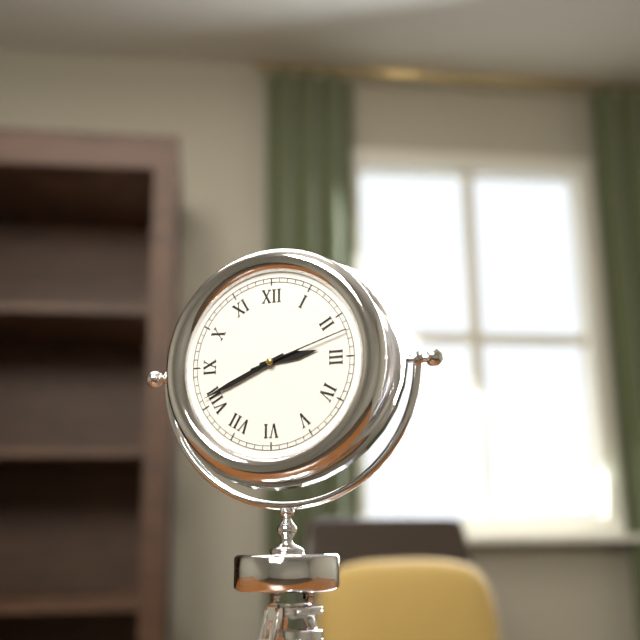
2:41:12
